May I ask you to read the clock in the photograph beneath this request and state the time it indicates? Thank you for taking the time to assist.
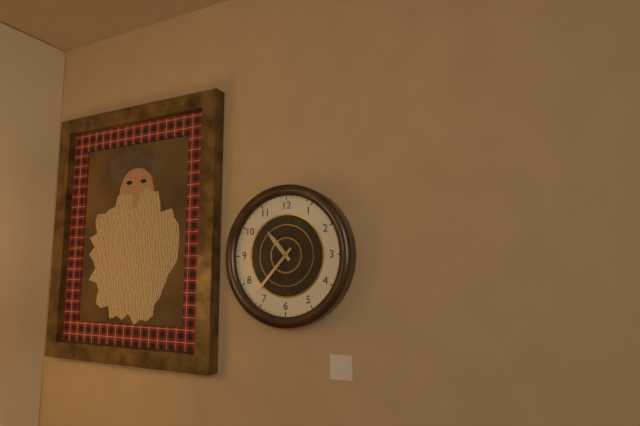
10:37
